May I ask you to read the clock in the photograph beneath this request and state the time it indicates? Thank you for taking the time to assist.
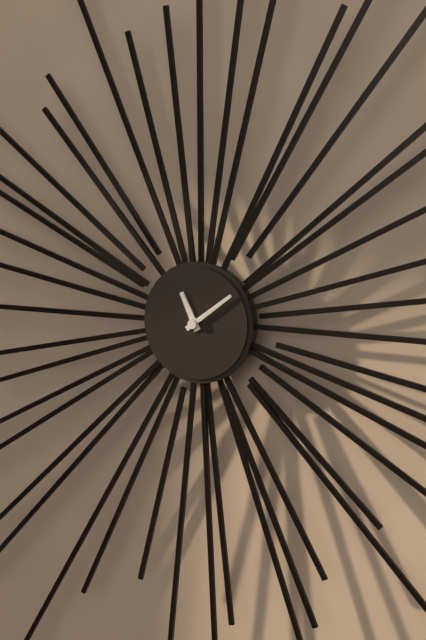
11:09
